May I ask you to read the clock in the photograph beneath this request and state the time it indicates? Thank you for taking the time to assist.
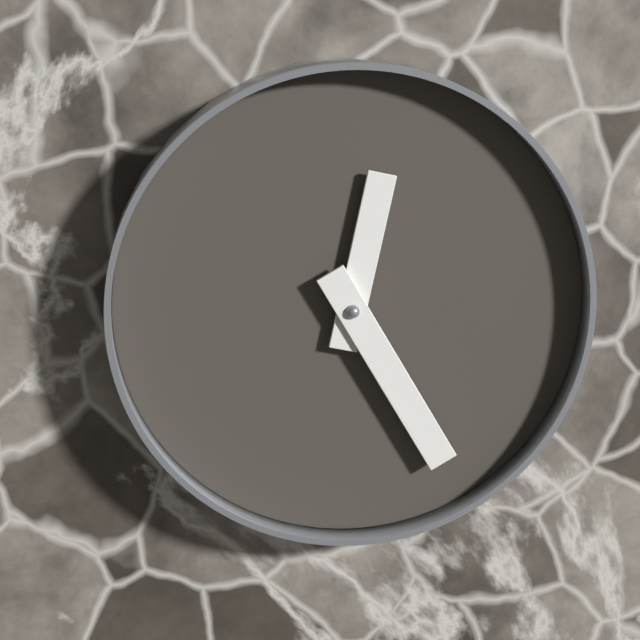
12:25
